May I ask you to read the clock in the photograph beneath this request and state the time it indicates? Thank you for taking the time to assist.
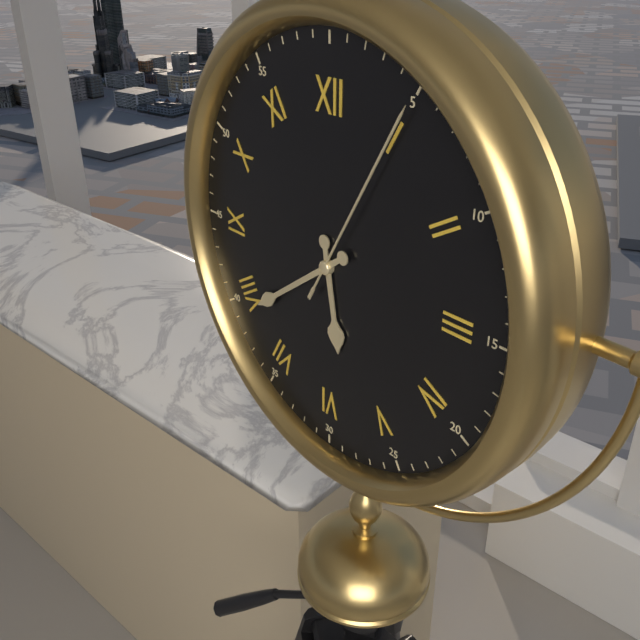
5:39:05
